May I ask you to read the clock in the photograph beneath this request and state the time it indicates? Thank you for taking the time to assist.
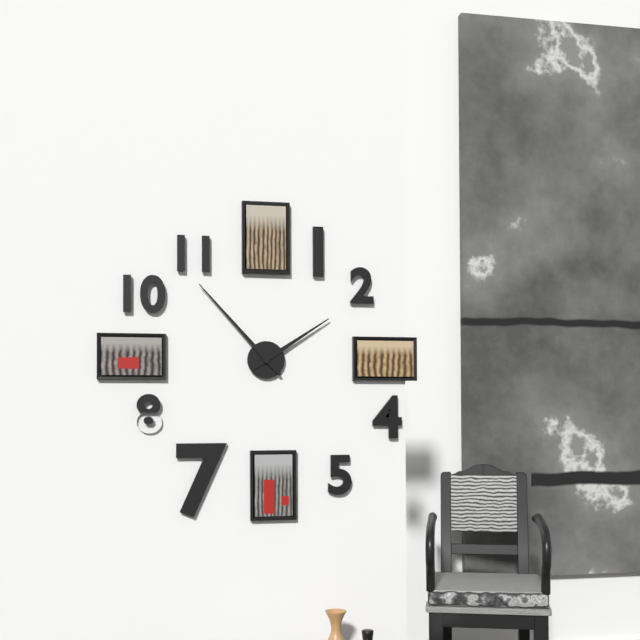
1:53
